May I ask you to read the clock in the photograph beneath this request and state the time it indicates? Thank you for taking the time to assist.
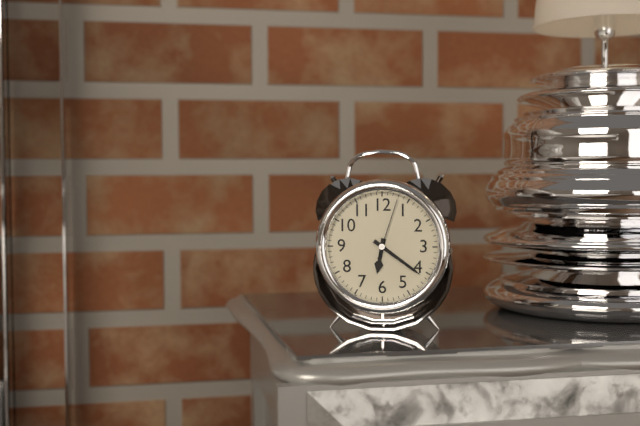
6:21:03
